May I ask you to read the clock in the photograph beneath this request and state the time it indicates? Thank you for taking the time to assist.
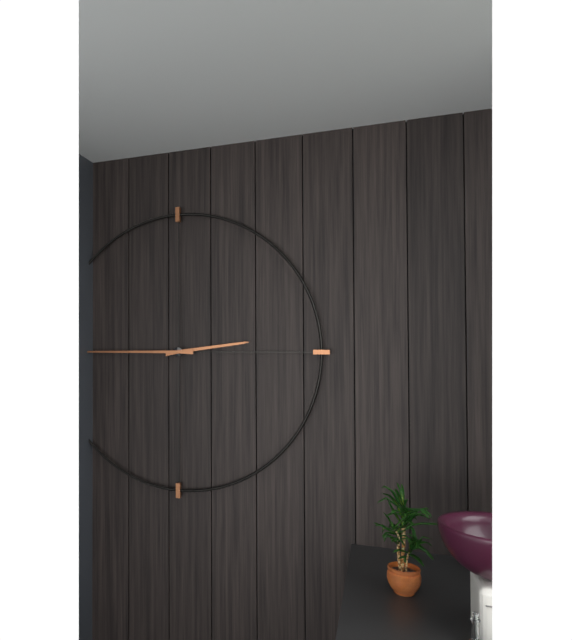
2:45
